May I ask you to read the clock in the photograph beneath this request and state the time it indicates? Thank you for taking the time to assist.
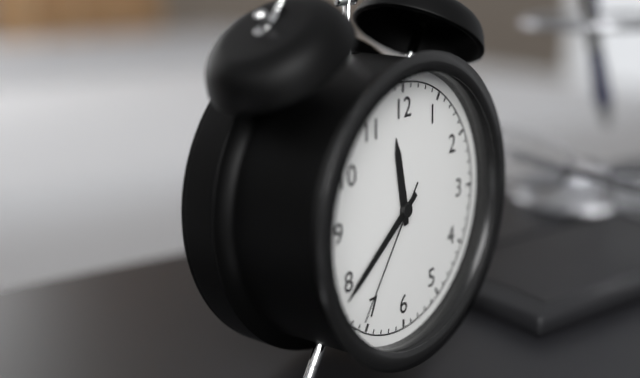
11:39:36
